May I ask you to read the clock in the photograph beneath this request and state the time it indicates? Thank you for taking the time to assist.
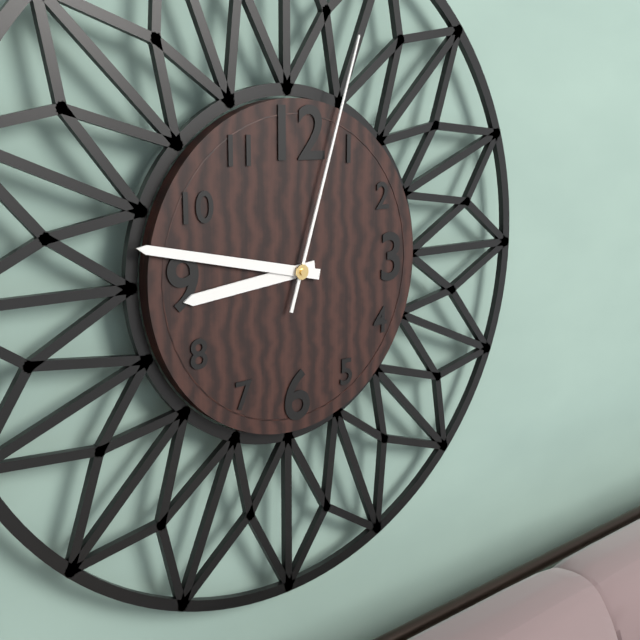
8:47:03
